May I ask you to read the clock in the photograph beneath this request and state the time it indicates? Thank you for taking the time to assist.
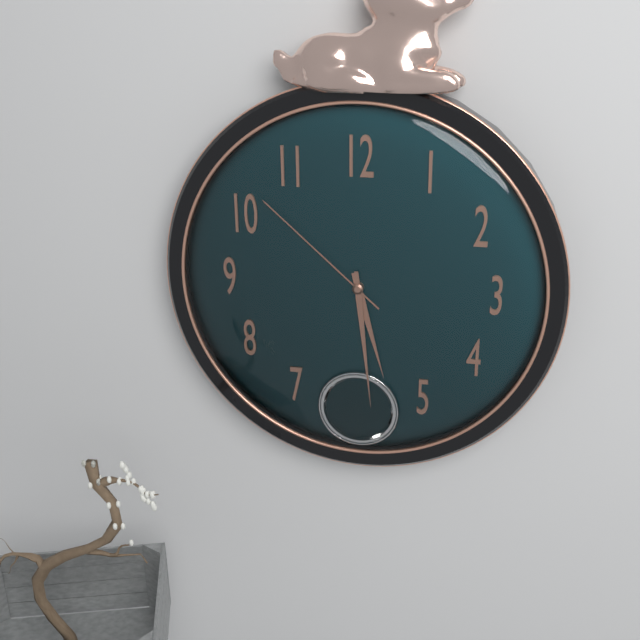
5:29:52
